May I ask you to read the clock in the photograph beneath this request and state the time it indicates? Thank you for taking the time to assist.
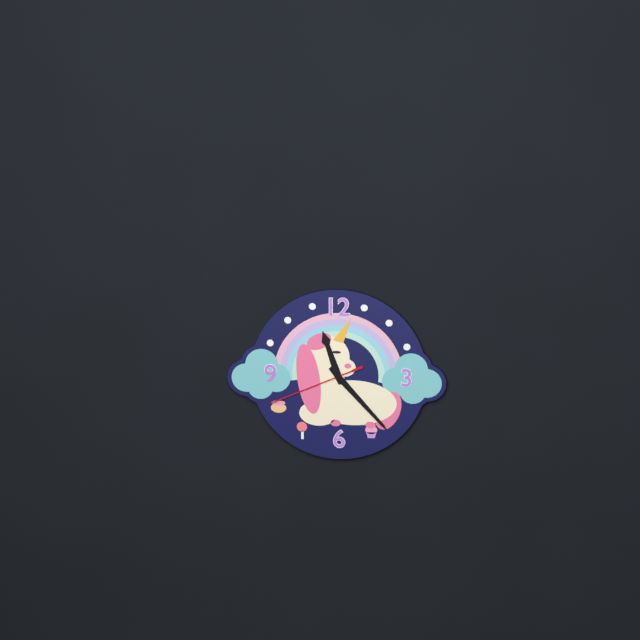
11:23:41
